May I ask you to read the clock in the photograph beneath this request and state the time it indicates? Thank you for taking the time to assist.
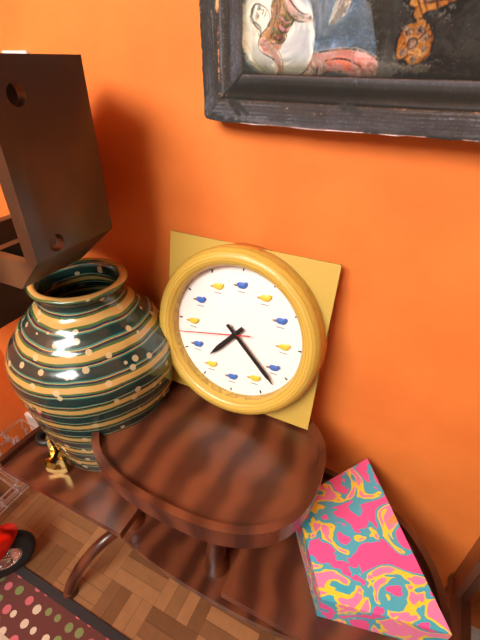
7:22:43
